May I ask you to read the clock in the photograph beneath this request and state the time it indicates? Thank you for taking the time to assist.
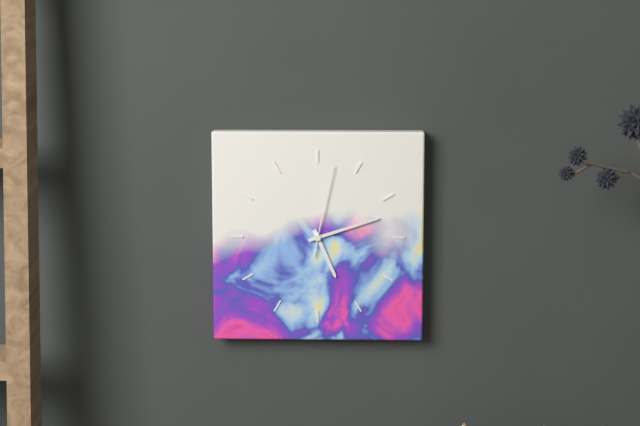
5:12:02
